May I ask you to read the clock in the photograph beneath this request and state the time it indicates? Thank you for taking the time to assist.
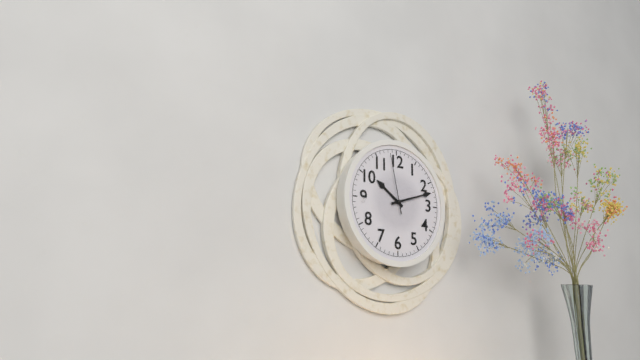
10:12:58
